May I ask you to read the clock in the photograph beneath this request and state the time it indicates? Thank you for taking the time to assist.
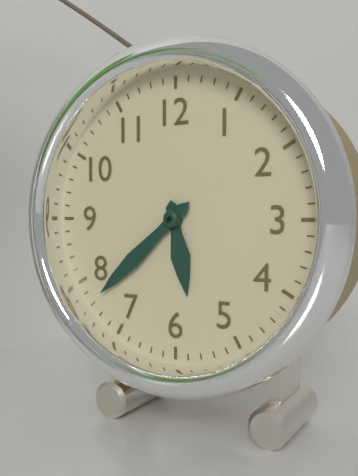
5:38
